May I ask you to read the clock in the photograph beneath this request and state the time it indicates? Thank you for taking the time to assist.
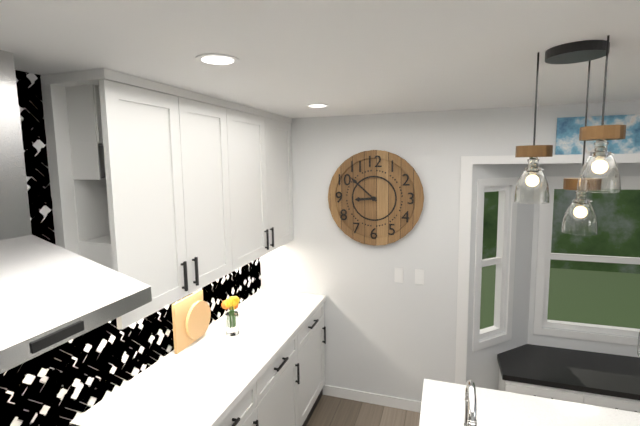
8:52
